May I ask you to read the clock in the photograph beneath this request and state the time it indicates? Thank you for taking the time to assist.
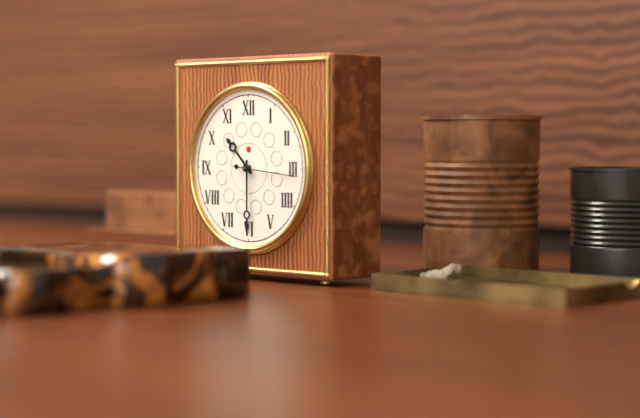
10:30:16
